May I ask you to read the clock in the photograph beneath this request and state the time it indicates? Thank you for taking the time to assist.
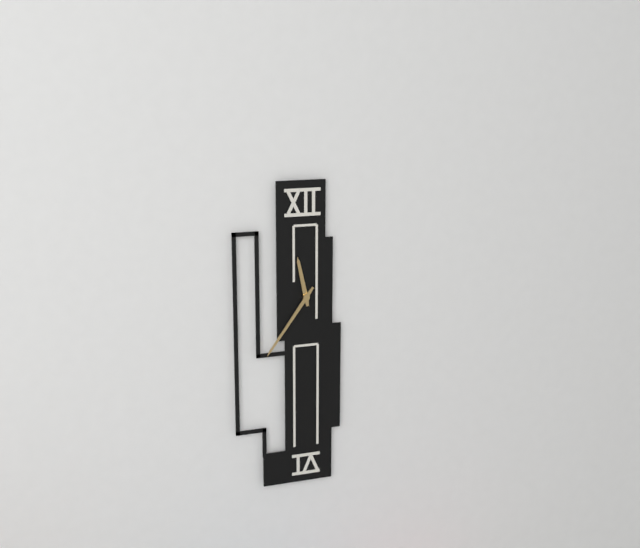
11:36
